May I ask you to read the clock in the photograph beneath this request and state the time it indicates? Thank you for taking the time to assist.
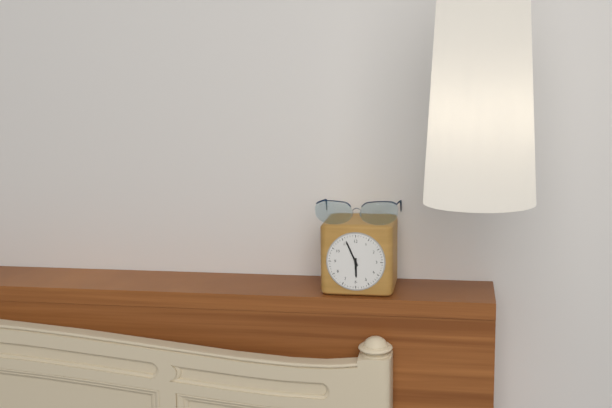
5:56
